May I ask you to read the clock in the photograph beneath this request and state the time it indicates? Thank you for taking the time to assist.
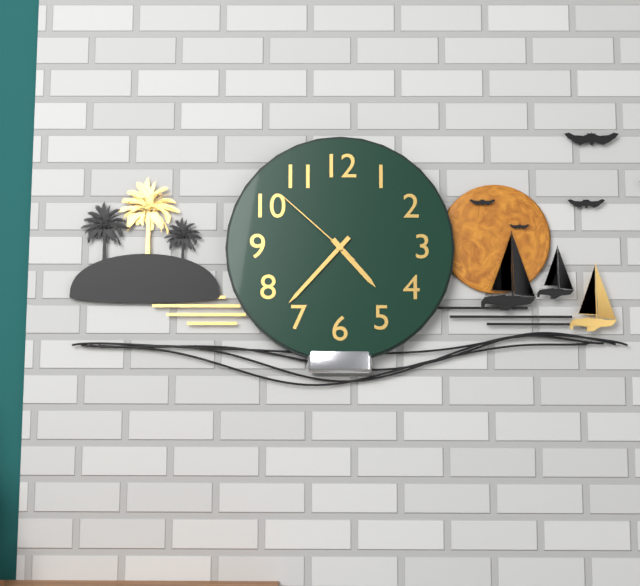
4:37:52
